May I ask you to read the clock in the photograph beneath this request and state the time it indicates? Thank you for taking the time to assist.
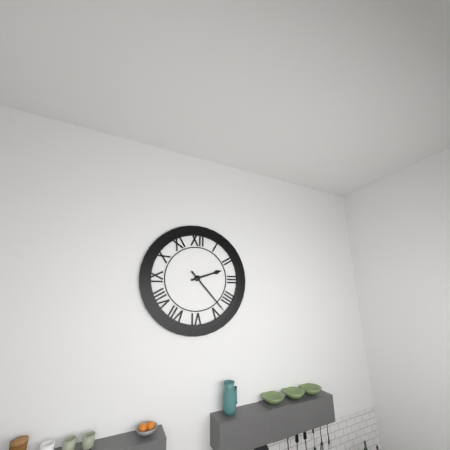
2:23
